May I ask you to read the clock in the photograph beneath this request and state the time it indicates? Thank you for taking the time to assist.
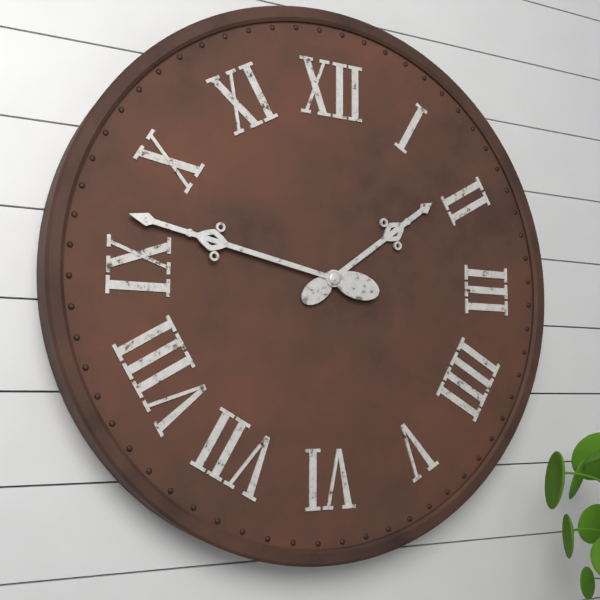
1:47
